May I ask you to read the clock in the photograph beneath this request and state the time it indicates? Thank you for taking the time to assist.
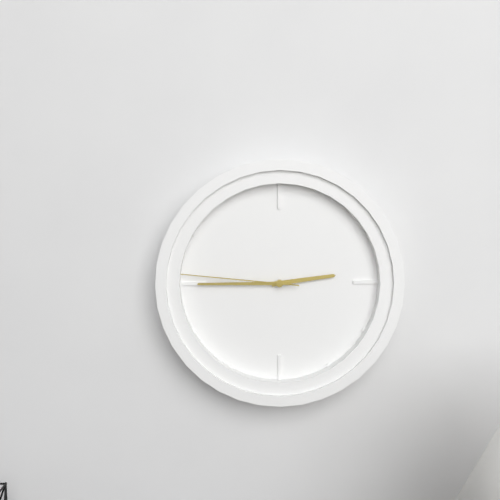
2:45:46
